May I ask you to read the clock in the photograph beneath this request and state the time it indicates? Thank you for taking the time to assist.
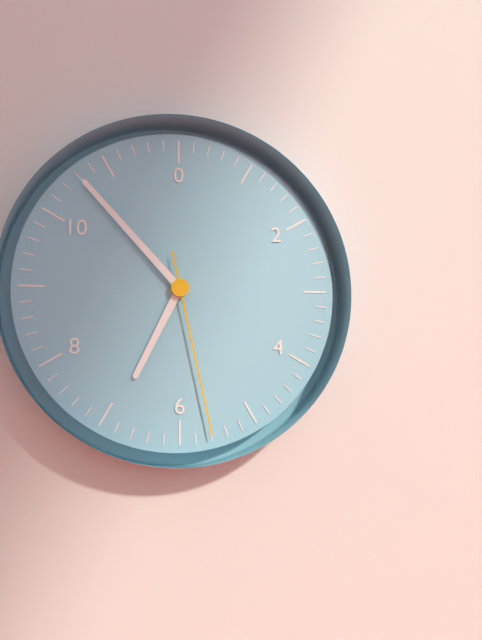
6:53:28
